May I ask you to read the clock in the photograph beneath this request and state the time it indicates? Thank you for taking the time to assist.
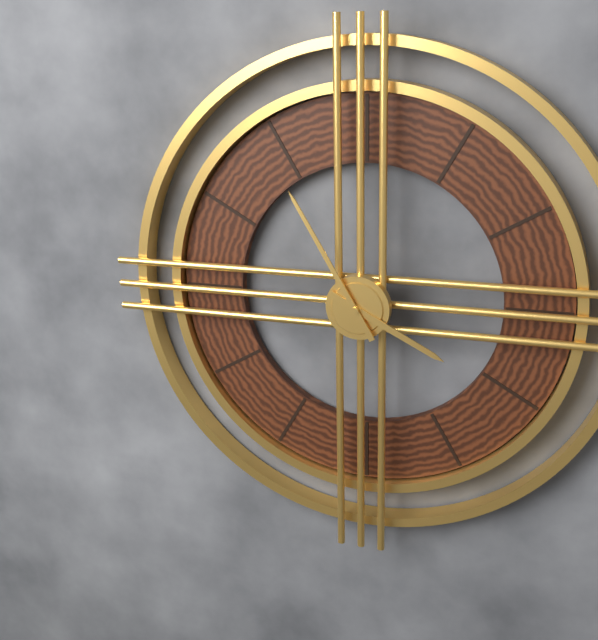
3:55
